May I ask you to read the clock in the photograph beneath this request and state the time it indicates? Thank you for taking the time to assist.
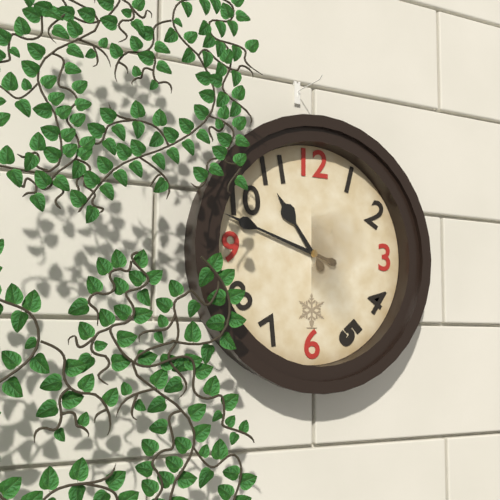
10:48
